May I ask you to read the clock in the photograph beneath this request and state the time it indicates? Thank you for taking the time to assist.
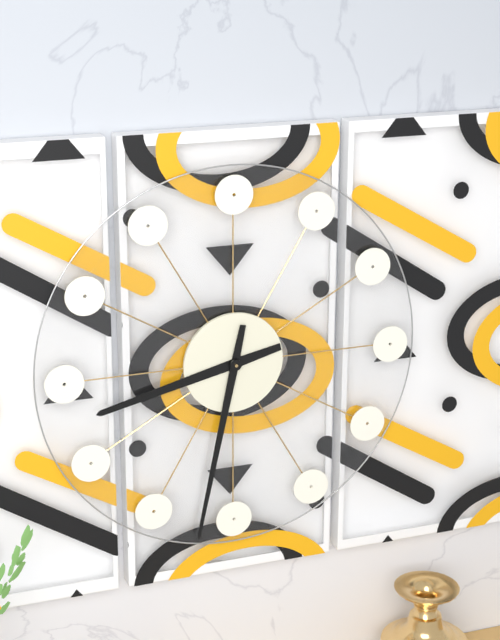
8:32
